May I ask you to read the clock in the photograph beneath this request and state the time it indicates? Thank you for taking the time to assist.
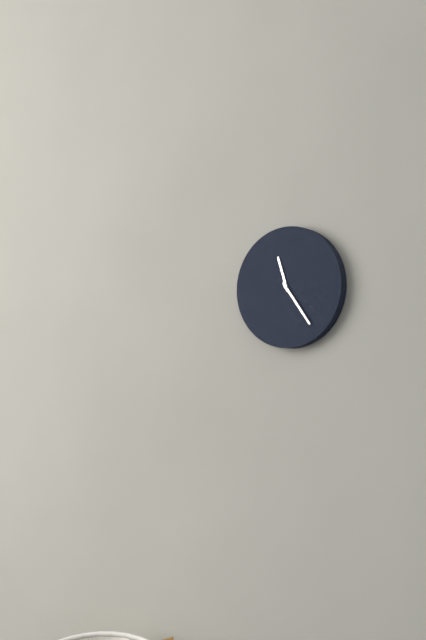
11:24
